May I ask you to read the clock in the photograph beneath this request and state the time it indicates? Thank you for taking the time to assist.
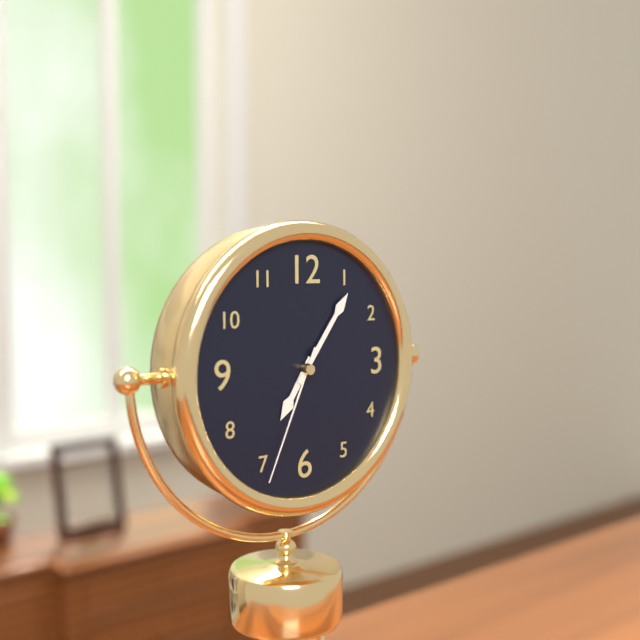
7:06:34
